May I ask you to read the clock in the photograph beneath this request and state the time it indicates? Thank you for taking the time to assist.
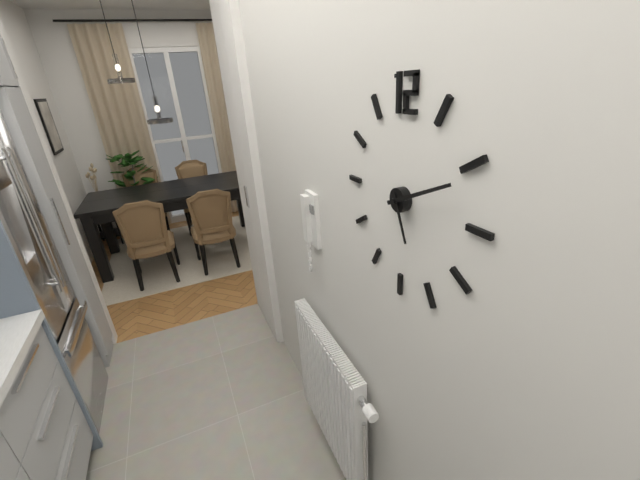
5:11
